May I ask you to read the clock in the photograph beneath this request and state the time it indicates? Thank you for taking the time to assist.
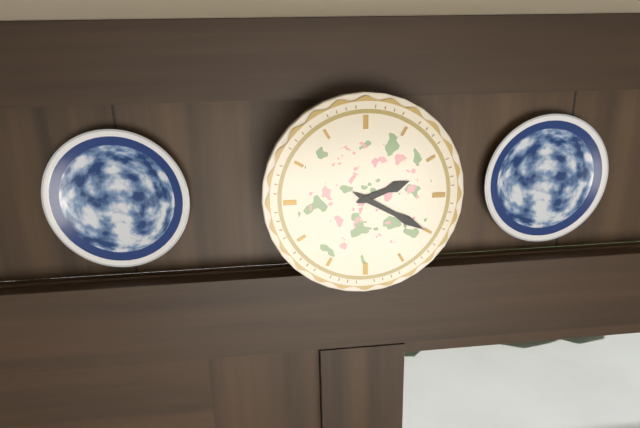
2:20
